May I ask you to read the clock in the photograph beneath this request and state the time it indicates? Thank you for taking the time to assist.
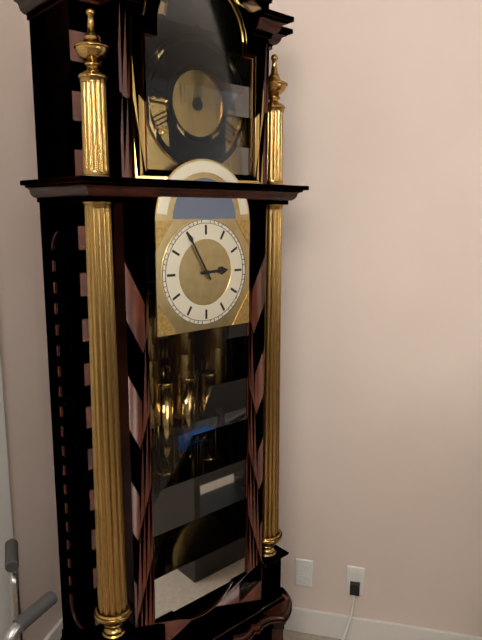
2:55
